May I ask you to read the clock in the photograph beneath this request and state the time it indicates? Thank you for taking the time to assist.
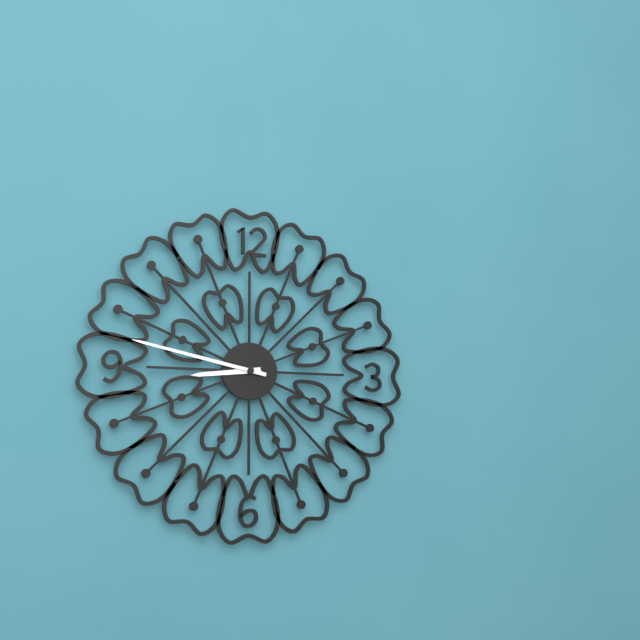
8:47
